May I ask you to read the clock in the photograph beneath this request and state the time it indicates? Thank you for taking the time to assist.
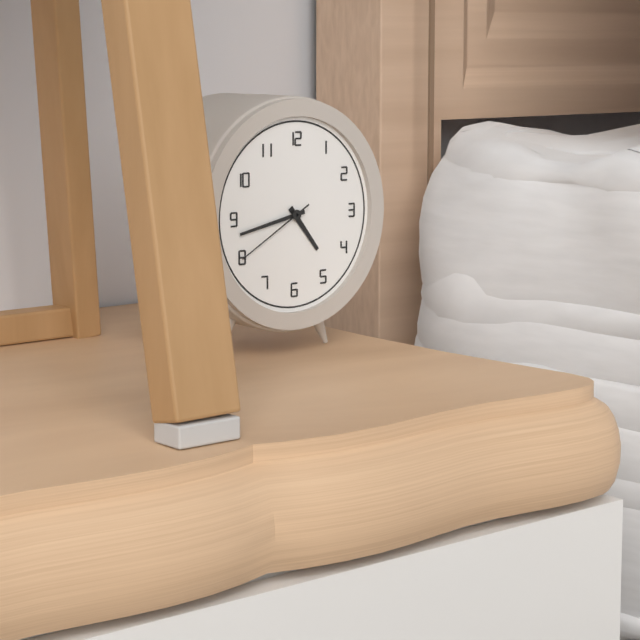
4:43:40
